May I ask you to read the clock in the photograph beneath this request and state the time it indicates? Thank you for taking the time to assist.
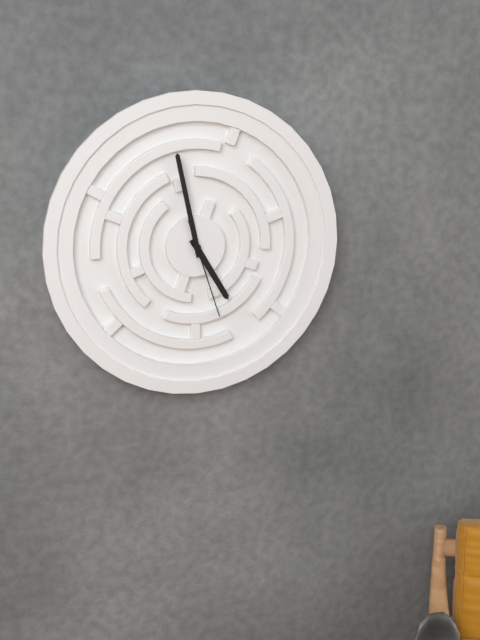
4:58:27
